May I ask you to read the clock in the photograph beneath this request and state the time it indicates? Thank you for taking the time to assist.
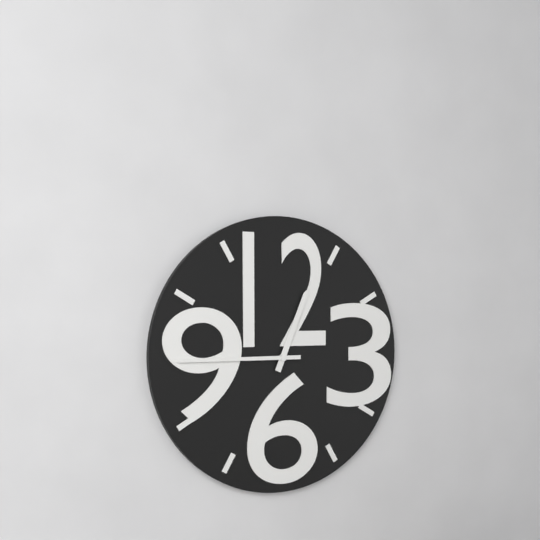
12:45
